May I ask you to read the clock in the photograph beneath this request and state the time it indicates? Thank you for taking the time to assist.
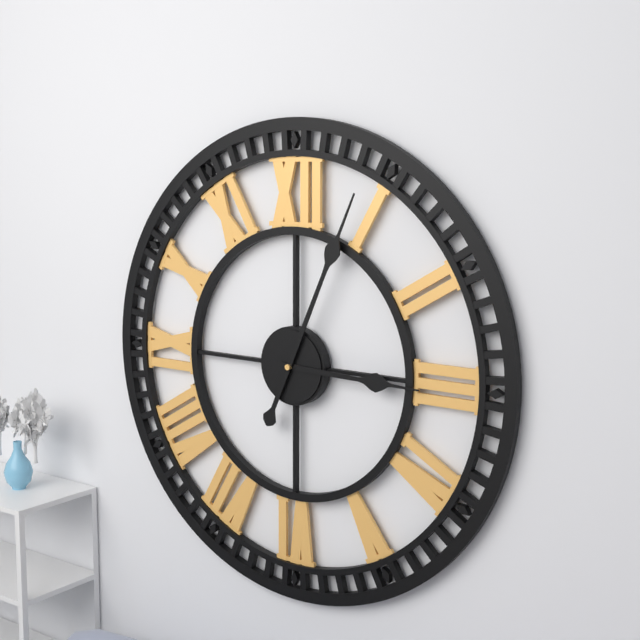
3:04
